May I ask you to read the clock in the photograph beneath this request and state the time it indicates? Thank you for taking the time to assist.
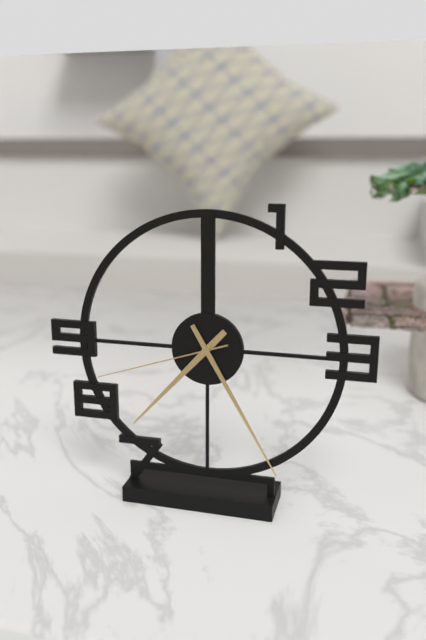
7:25:42
